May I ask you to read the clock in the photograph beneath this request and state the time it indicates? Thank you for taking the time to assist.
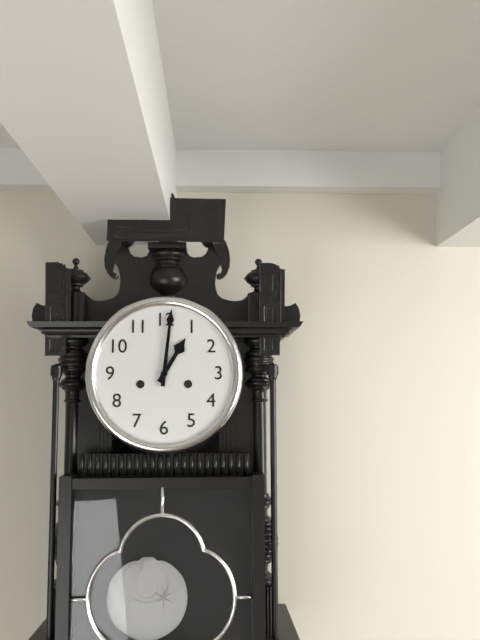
1:01
